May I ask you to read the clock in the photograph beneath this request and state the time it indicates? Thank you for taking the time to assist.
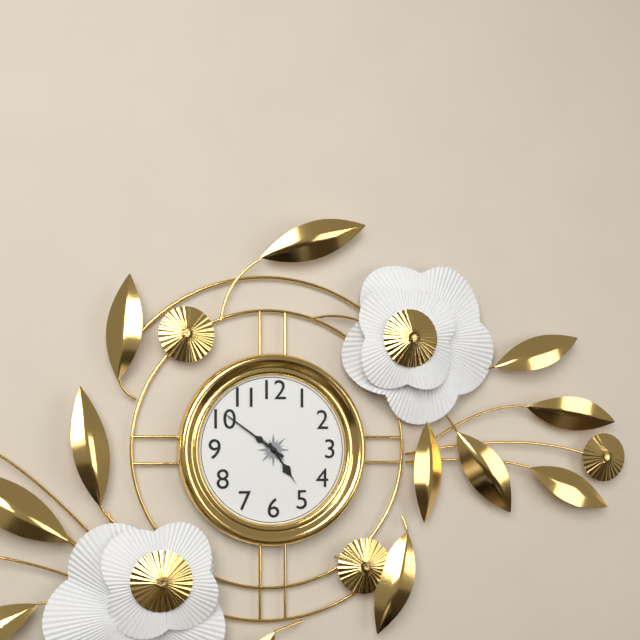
4:51
